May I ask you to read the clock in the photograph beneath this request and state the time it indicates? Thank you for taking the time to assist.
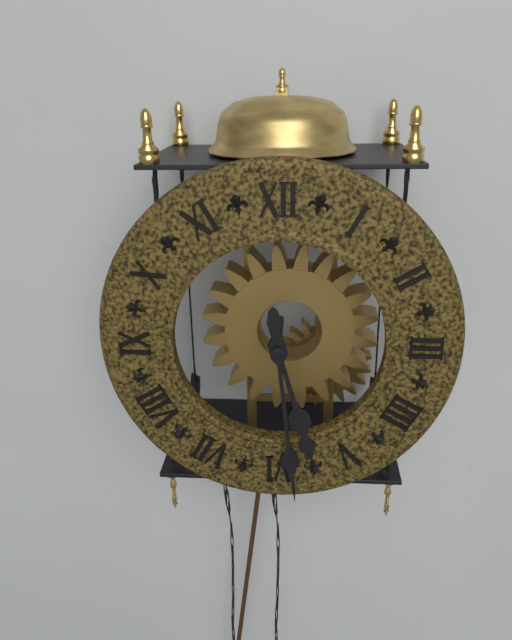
5:29
